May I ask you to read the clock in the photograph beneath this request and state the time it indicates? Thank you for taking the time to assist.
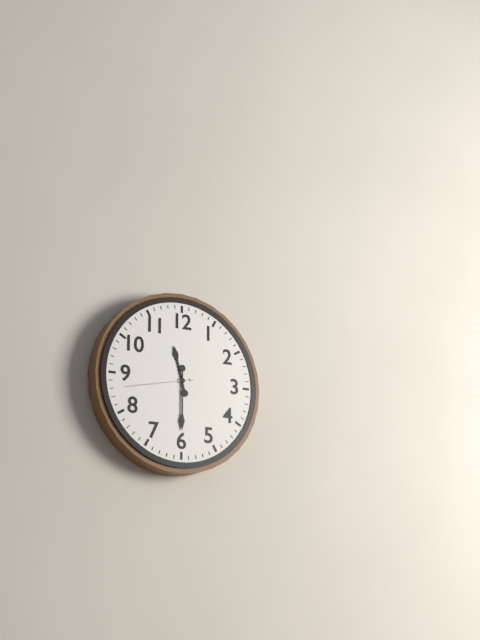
11:30:43
